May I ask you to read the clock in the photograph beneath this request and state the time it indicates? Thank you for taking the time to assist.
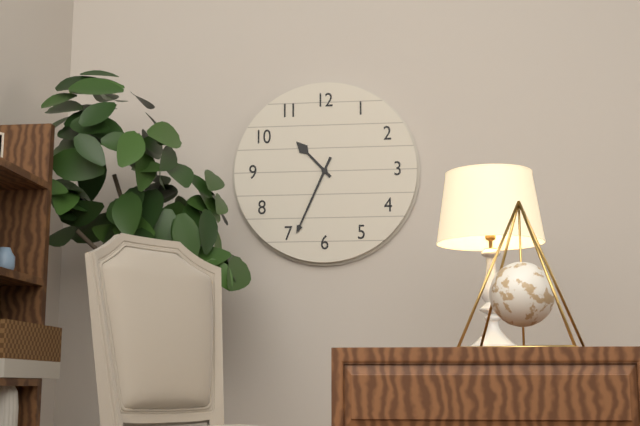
10:34
